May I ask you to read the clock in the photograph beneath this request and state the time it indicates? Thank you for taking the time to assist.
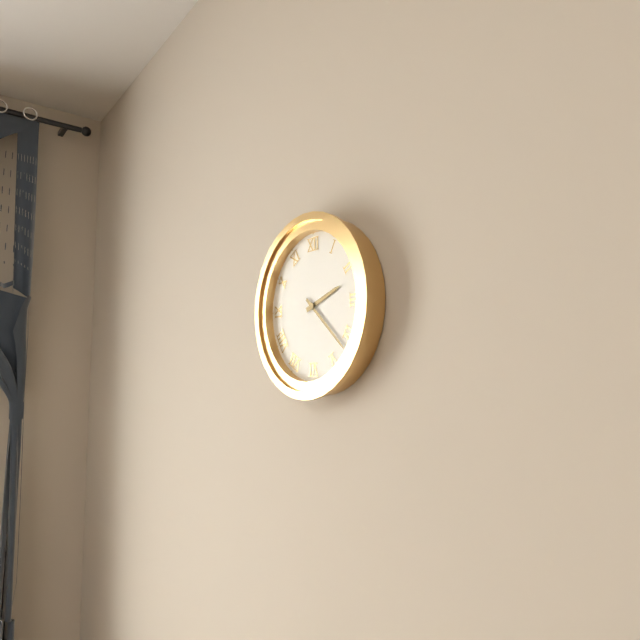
2:22
